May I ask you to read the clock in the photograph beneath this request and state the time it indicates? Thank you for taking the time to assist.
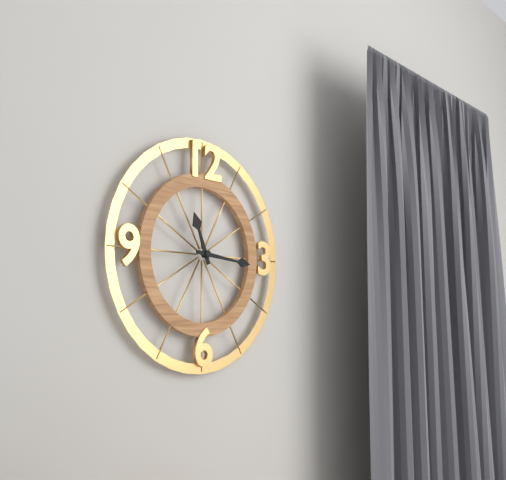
11:16
